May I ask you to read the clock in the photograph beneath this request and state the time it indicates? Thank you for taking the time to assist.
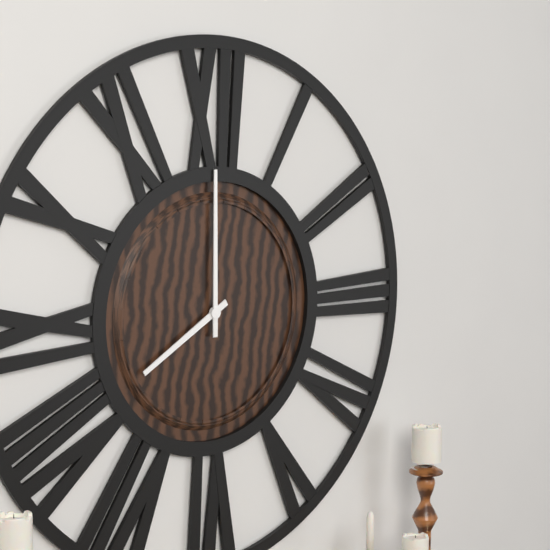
8:00
